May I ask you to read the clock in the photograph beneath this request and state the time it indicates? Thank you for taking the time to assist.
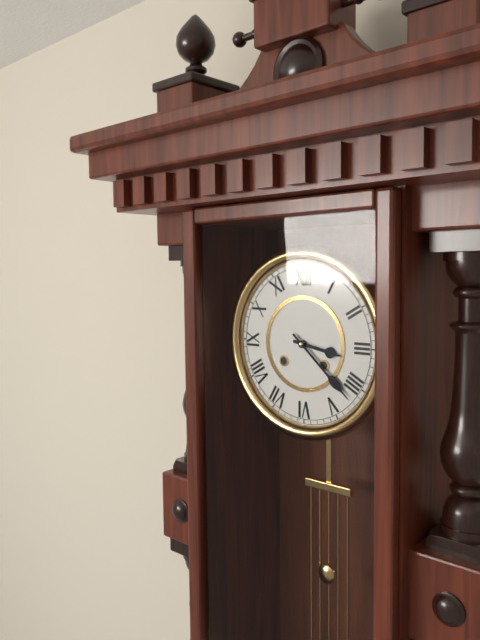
3:22
